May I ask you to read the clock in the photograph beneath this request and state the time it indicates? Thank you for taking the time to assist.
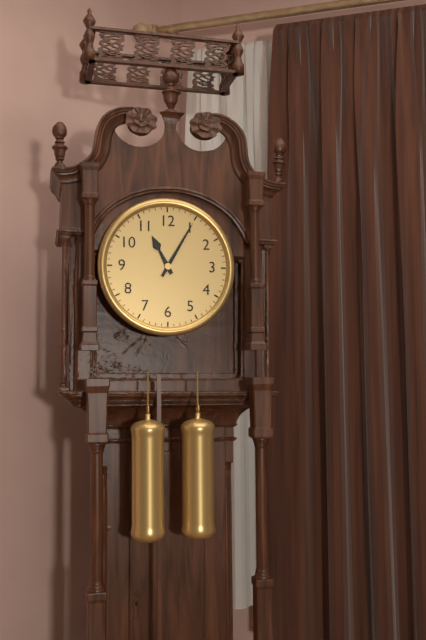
11:05
